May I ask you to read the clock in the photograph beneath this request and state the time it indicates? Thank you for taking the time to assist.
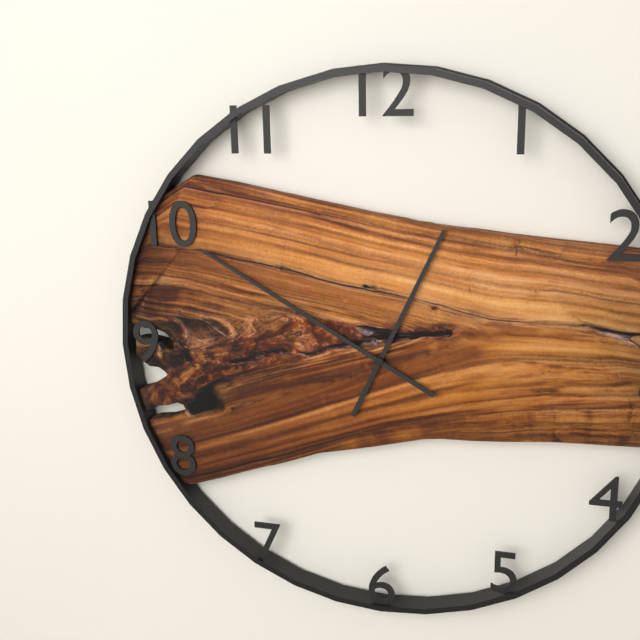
12:50
